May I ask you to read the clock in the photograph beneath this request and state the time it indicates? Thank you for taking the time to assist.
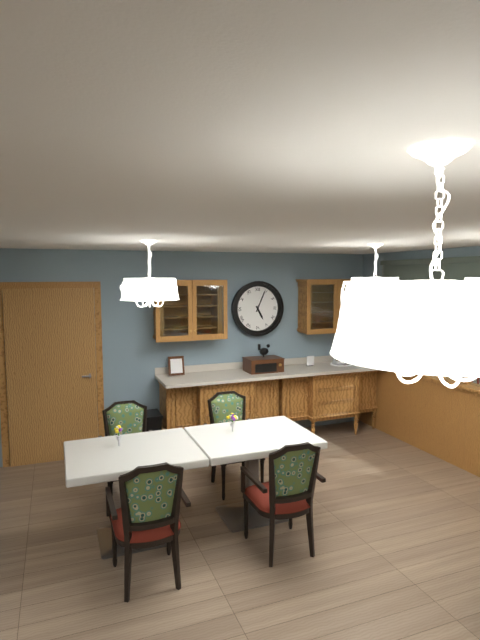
5:04
